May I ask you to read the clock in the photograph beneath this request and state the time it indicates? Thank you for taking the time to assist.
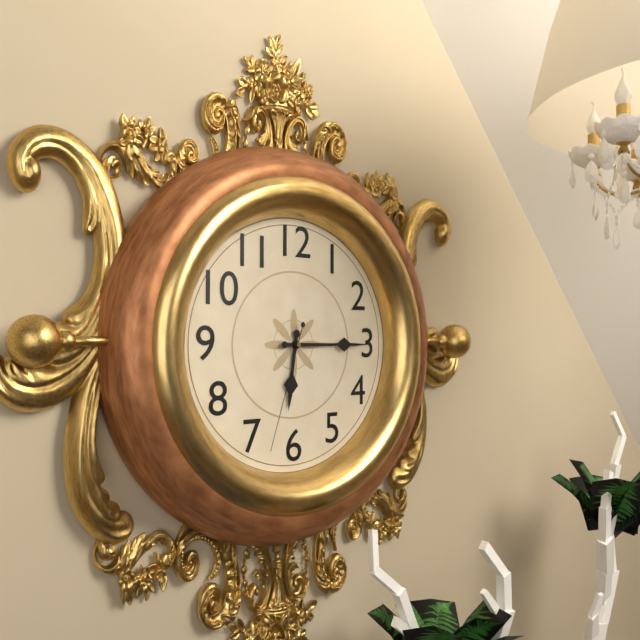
6:15:33
